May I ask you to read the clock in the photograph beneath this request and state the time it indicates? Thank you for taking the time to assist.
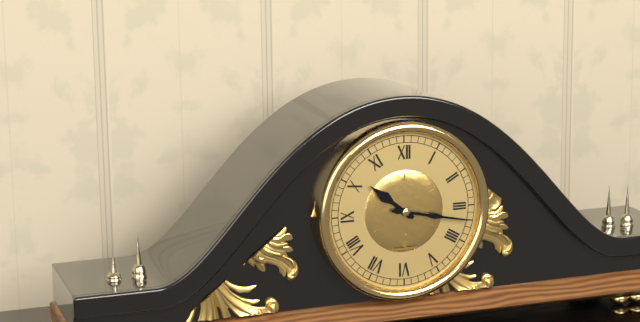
10:17
